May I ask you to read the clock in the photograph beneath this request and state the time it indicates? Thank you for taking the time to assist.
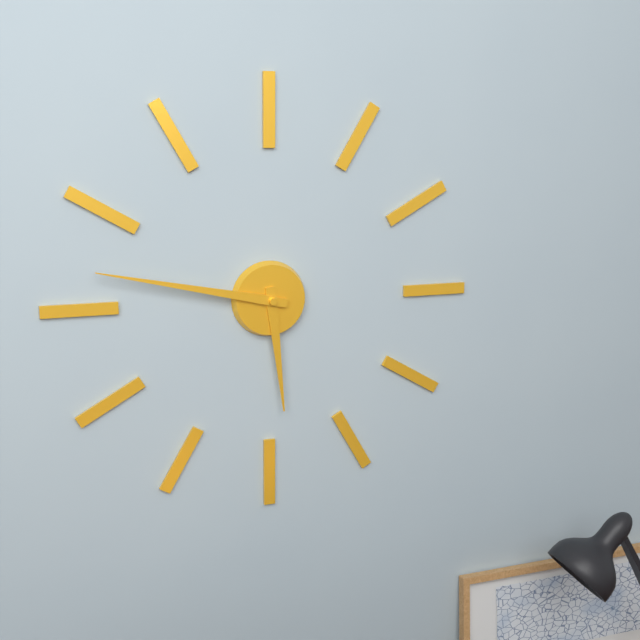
5:47
